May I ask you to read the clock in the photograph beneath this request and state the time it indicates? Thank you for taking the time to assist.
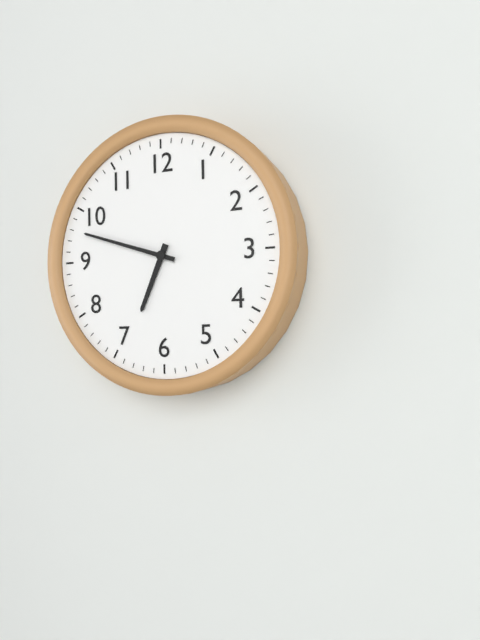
6:48
